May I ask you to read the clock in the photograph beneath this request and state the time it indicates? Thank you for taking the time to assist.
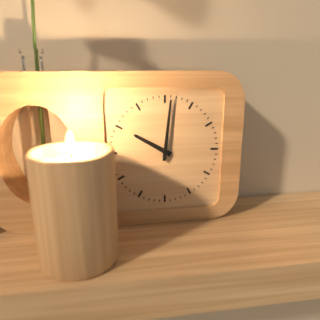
10:01
